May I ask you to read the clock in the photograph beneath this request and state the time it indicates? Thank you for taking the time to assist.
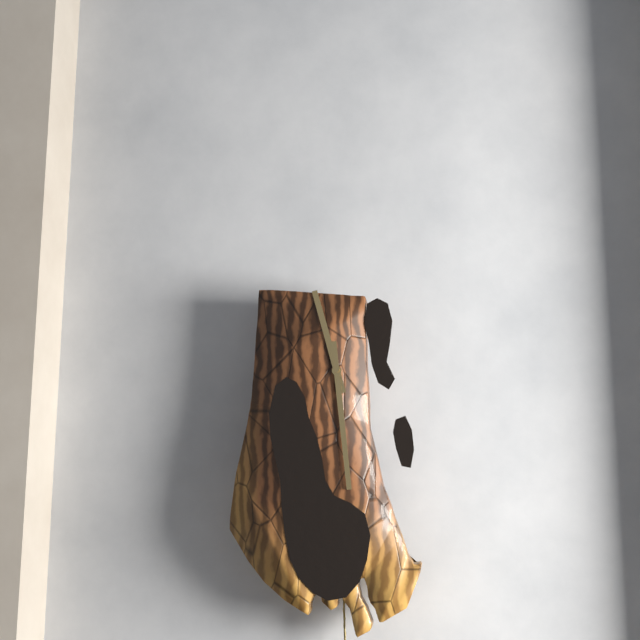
11:29
